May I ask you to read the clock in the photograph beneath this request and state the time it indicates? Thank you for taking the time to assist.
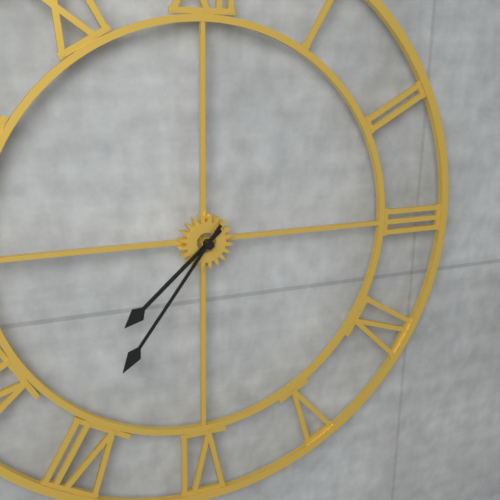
7:36
